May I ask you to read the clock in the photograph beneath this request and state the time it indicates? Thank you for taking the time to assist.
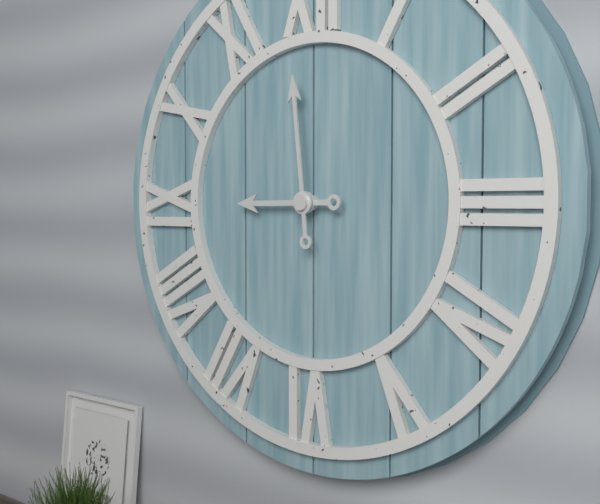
8:59
